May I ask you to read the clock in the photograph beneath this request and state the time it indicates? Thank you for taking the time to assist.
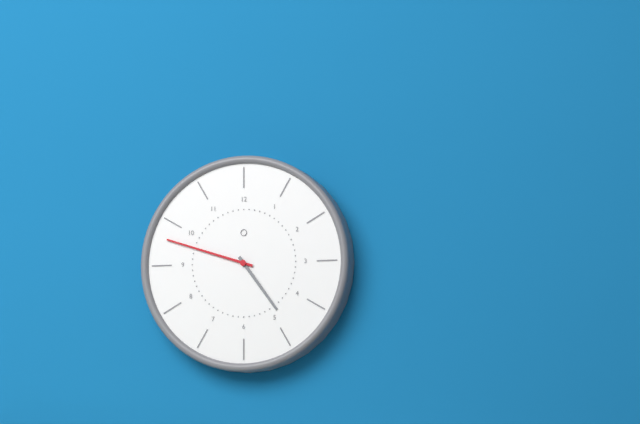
4:48
